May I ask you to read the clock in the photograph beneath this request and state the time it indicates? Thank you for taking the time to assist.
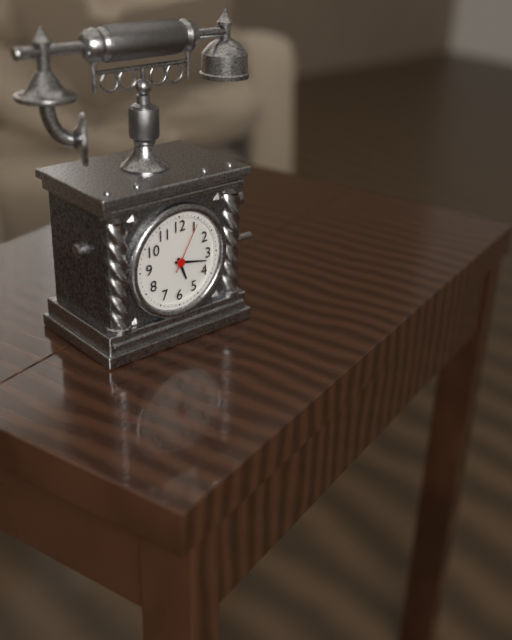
5:17:05
